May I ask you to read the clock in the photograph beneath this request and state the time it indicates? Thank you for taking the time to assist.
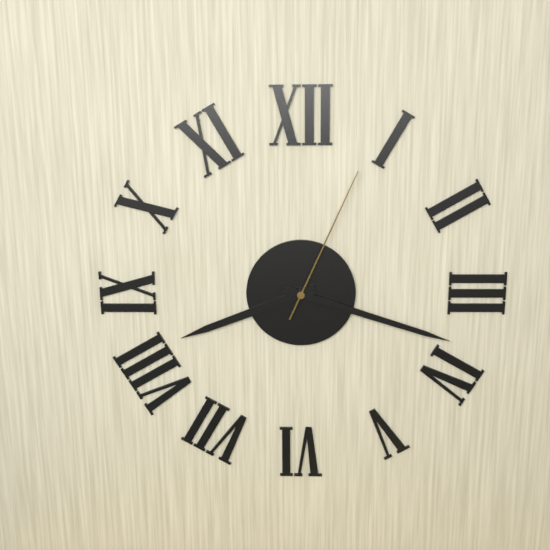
8:18:04
